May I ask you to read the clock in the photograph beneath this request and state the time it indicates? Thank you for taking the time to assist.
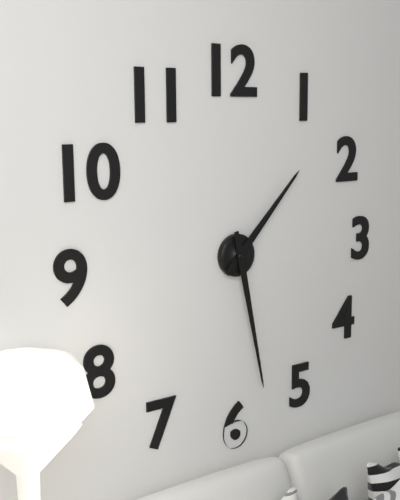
1:28
